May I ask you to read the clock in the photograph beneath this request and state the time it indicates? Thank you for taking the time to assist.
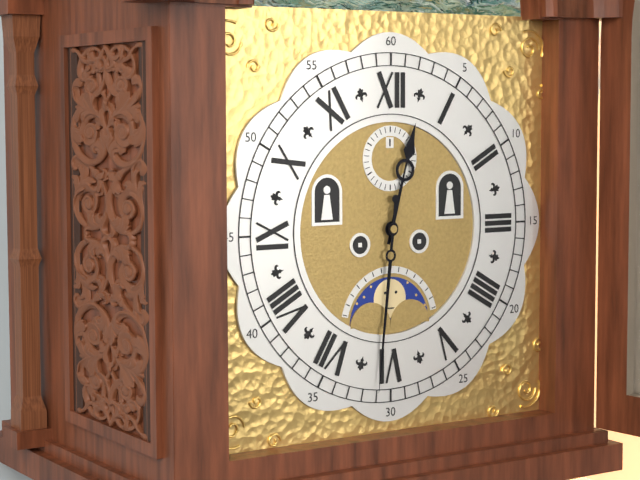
12:31
